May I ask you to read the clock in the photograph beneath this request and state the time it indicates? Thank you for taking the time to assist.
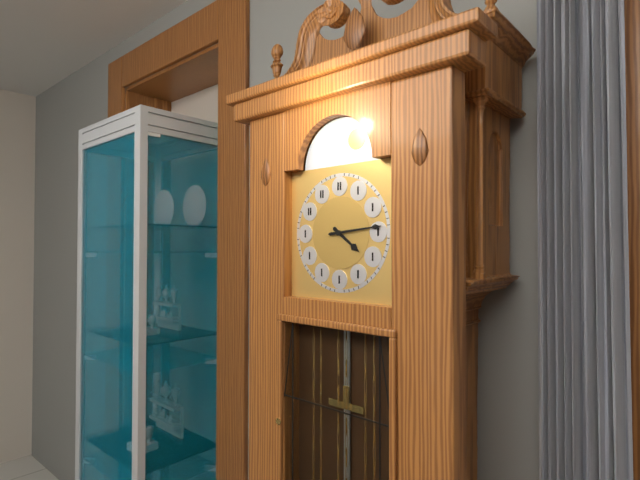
4:14
